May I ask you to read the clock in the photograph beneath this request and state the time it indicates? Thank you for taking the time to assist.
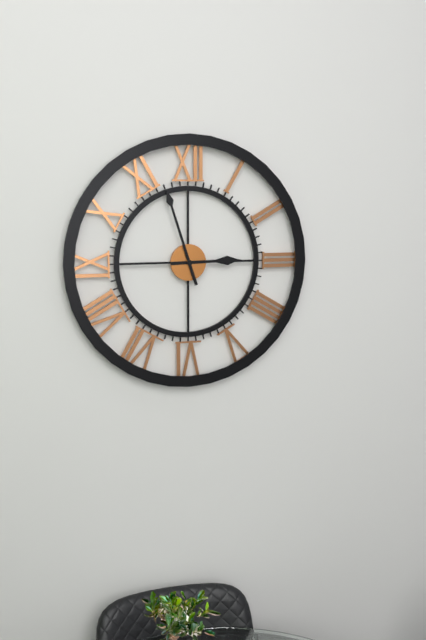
2:57
